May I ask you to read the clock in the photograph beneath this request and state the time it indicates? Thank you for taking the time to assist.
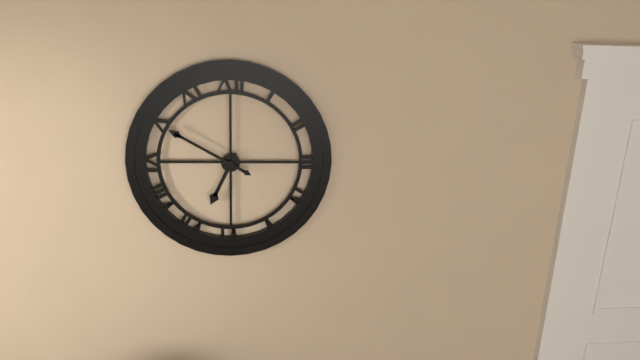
6:50
